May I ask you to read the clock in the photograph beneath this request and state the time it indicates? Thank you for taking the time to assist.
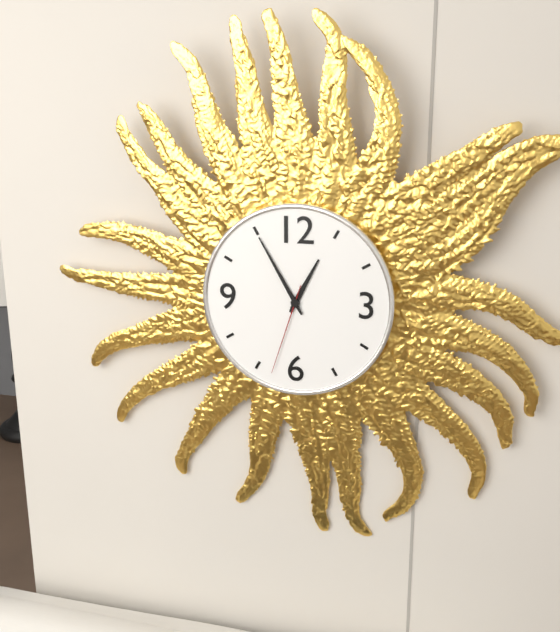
12:55:33
